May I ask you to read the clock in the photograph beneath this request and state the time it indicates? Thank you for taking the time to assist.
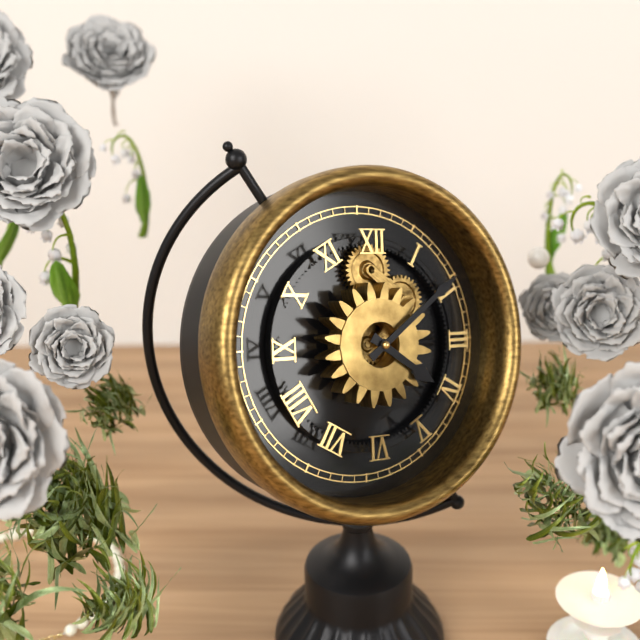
4:09
